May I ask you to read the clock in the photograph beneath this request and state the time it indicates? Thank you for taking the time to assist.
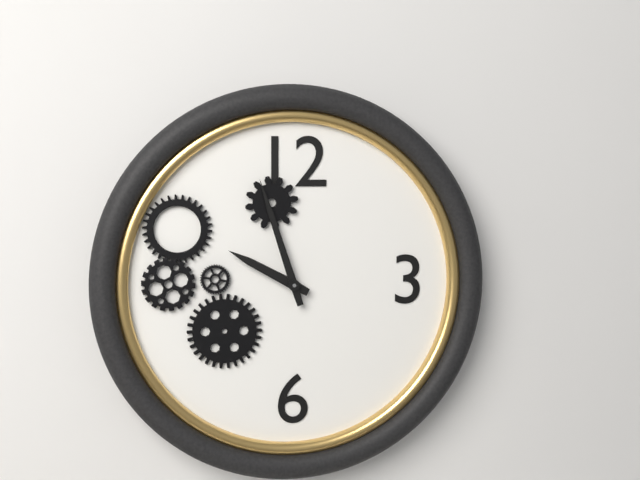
9:57
